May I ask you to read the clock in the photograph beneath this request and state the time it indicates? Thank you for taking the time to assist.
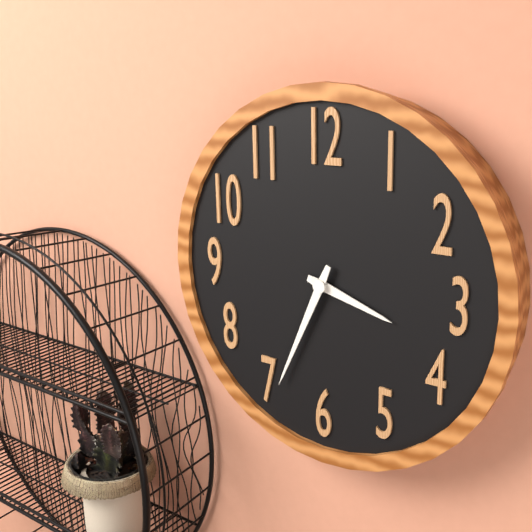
3:34
